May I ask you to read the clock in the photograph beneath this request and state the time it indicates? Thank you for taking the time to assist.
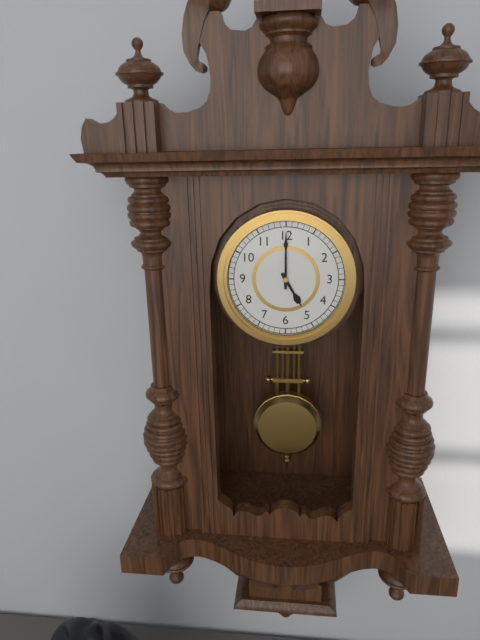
5:00
